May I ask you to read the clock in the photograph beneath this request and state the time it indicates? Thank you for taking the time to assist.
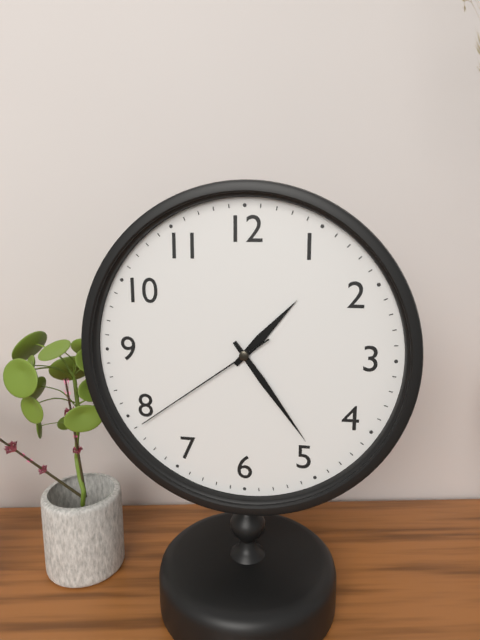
1:24:39
